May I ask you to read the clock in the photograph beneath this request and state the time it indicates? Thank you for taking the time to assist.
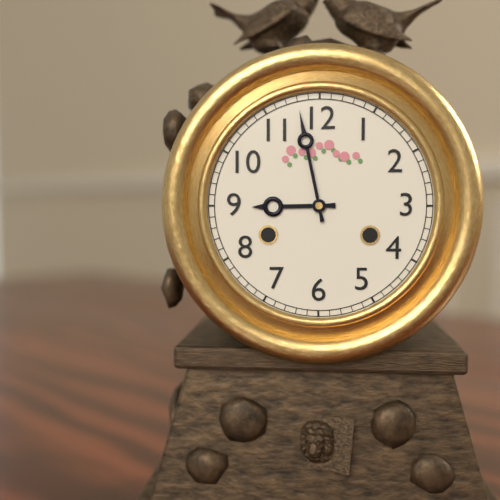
8:58
